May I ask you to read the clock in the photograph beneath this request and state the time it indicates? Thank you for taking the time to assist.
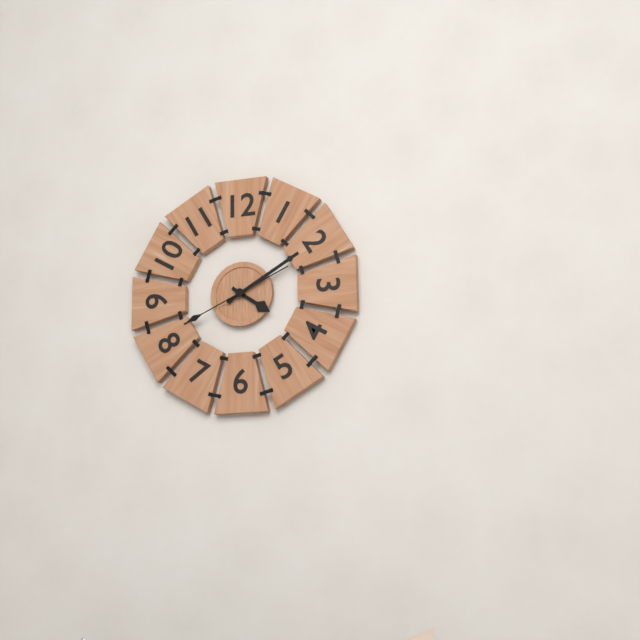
4:10:41
